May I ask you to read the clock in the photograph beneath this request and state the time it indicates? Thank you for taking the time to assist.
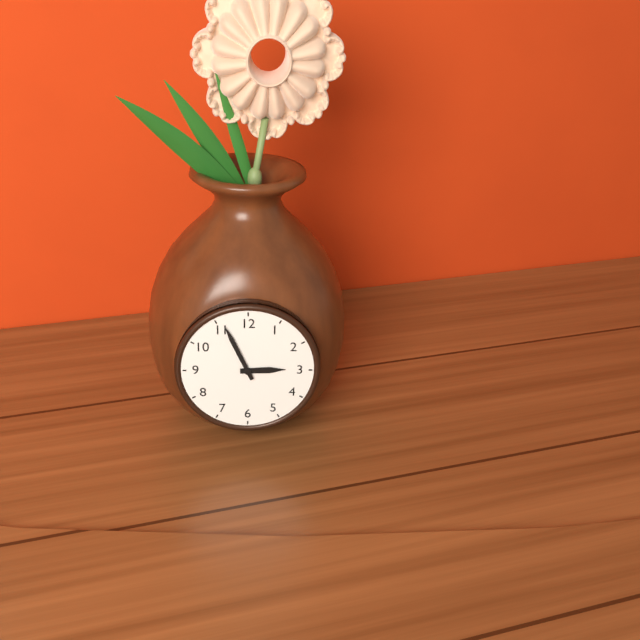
2:56
